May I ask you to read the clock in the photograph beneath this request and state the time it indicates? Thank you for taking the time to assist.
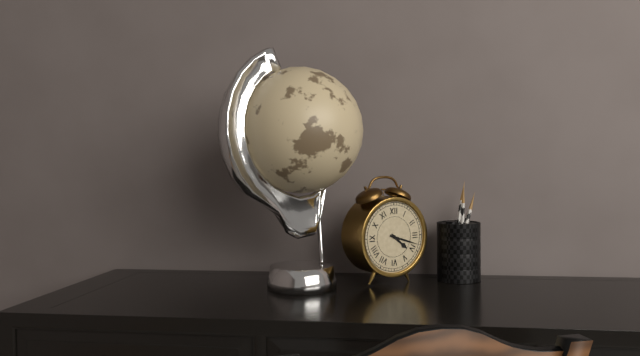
4:18
